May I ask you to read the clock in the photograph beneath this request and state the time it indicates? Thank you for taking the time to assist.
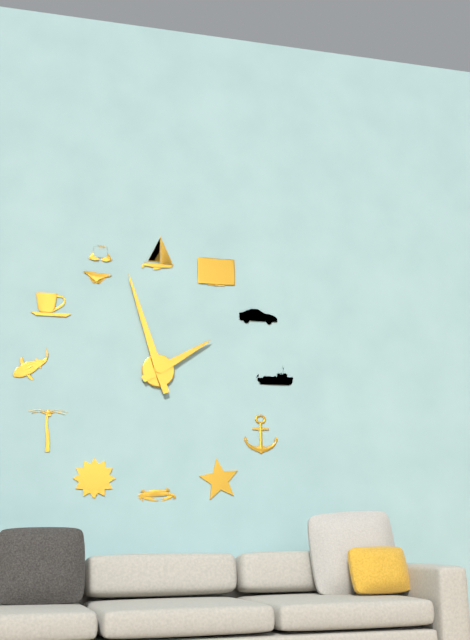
1:57
